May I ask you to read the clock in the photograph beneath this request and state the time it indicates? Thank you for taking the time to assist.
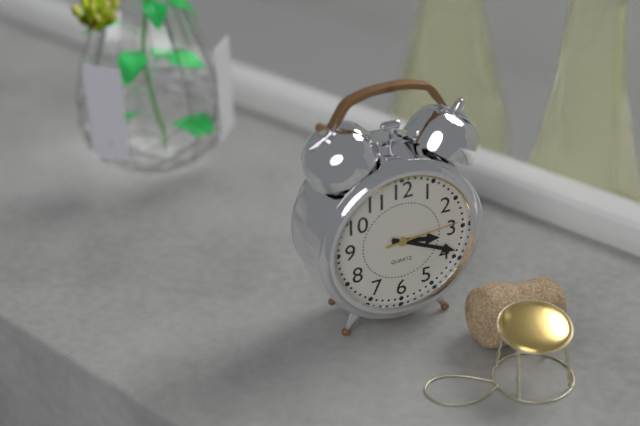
3:19:14
